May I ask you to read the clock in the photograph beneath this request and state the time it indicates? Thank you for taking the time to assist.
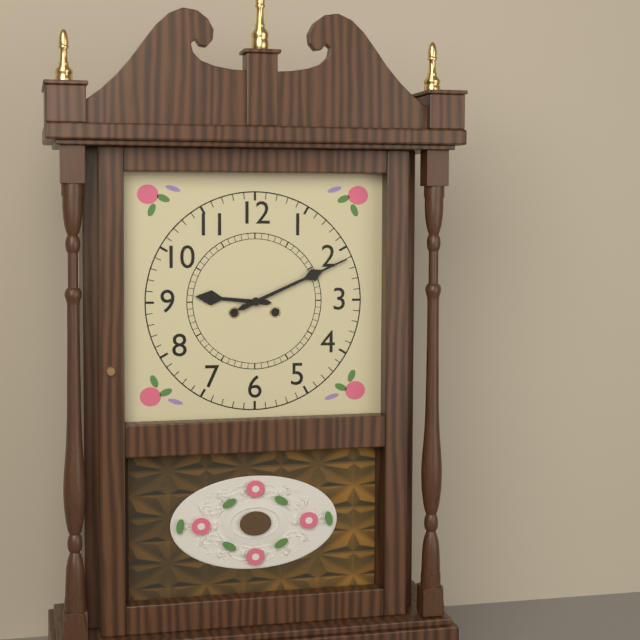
9:11
